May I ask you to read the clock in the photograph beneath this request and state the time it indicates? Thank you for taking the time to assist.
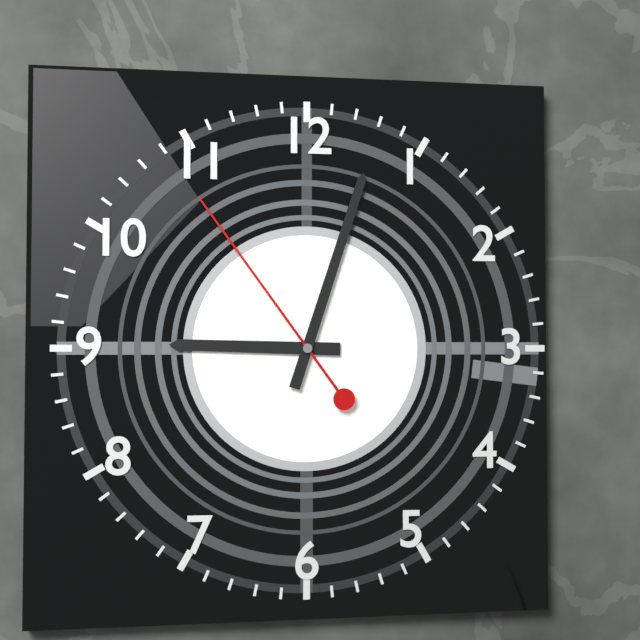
9:03:54
